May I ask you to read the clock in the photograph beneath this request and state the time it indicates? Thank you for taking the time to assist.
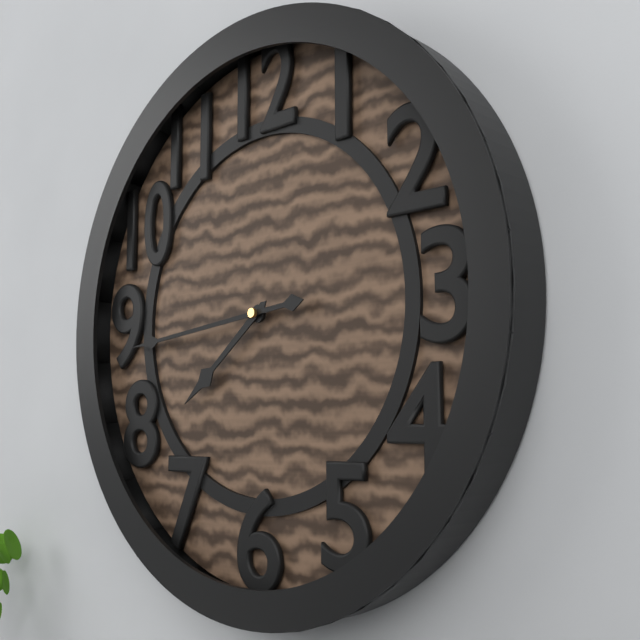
7:44
